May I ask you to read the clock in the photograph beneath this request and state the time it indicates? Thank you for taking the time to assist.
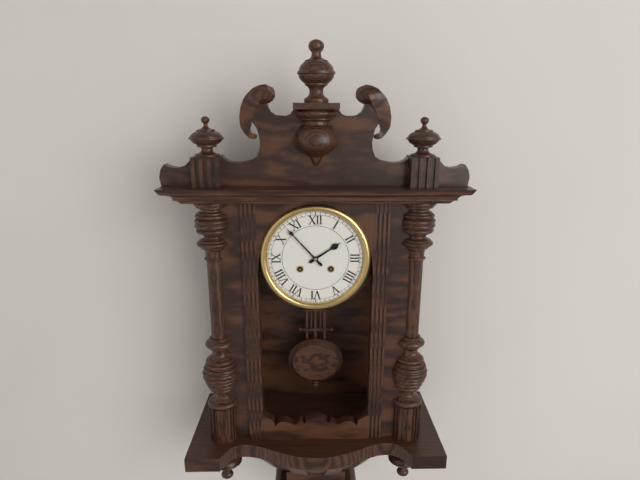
1:53
